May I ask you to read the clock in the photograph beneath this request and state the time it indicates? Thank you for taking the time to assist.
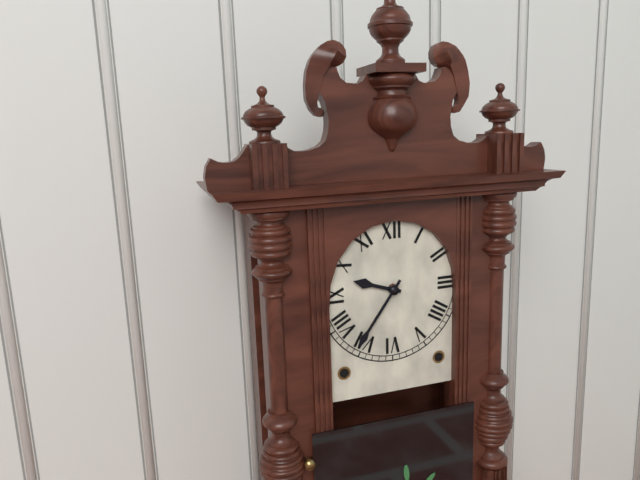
9:36
